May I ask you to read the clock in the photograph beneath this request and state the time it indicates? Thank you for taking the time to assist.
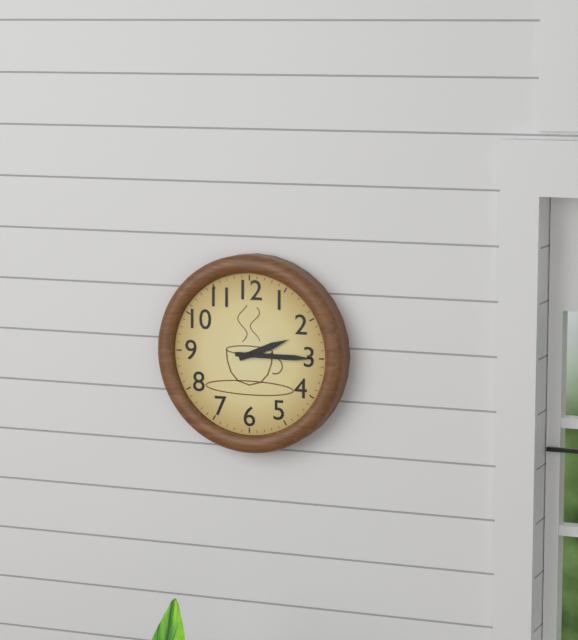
2:15
